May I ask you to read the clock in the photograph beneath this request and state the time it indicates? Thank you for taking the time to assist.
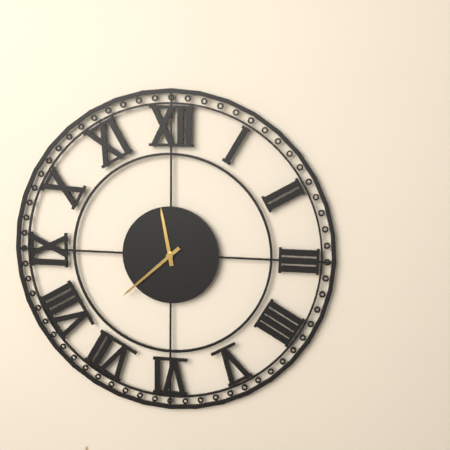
11:38
